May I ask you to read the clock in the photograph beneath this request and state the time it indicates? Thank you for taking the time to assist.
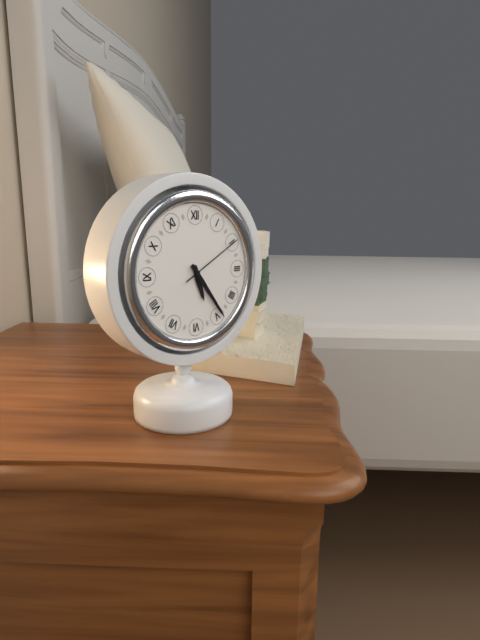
5:24:10
